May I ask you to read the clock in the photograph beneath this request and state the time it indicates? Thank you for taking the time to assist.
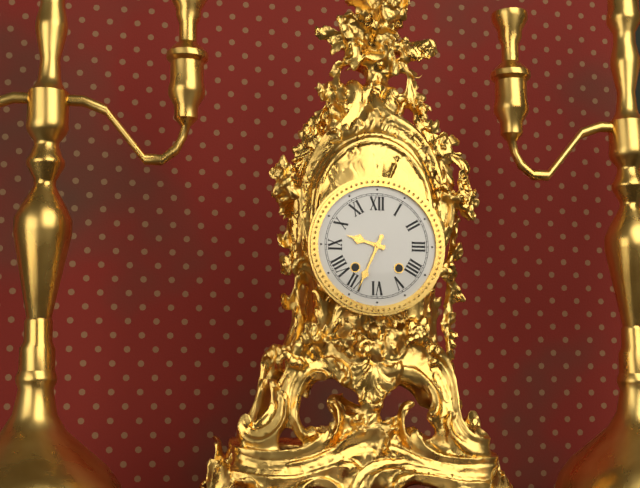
9:34
